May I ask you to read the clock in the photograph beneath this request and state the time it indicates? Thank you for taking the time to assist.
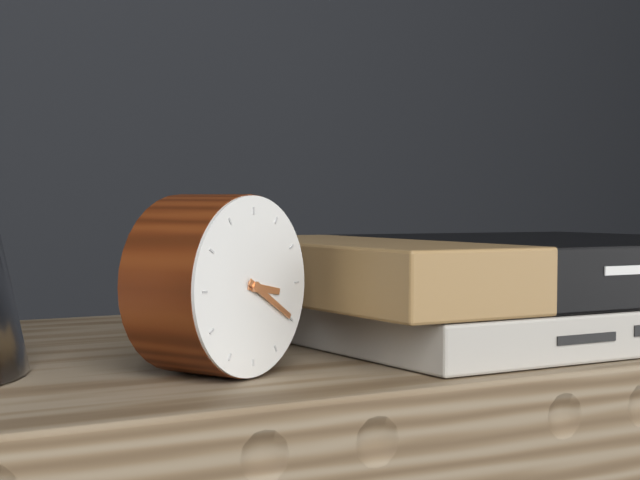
3:20
